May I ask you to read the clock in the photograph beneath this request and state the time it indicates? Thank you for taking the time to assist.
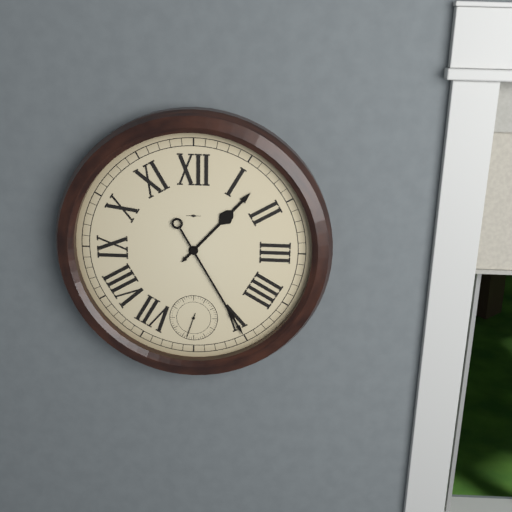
1:25
